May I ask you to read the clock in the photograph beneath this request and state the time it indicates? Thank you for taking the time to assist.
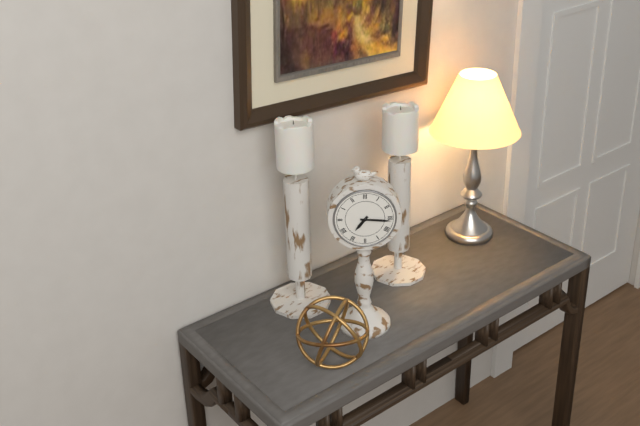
7:16
